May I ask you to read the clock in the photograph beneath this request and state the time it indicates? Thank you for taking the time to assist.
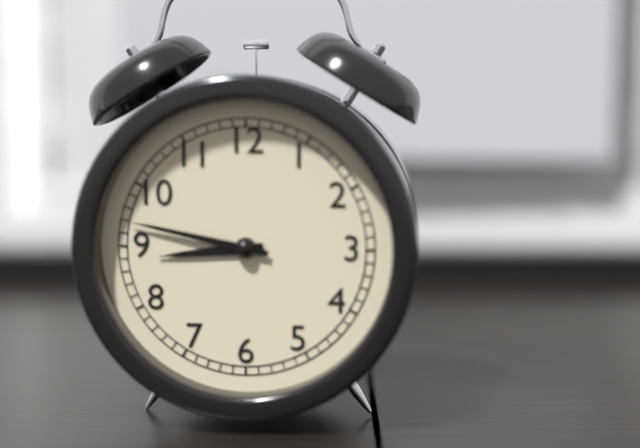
8:47
